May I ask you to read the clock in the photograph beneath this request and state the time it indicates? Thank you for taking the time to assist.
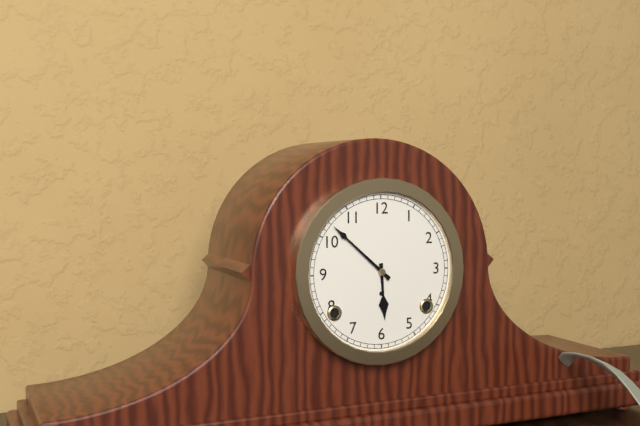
5:52
